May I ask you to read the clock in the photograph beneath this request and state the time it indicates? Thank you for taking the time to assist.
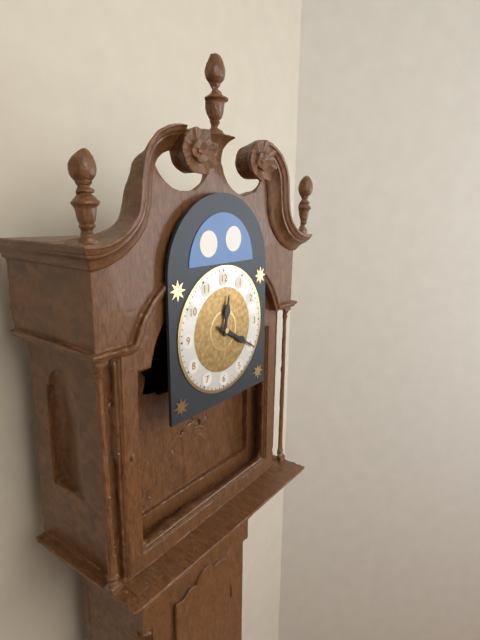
12:20
